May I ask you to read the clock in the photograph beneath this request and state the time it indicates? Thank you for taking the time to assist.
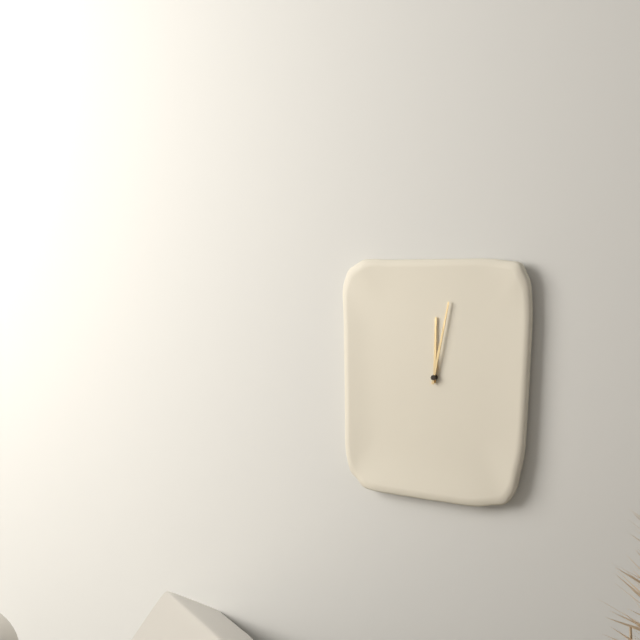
12:02
